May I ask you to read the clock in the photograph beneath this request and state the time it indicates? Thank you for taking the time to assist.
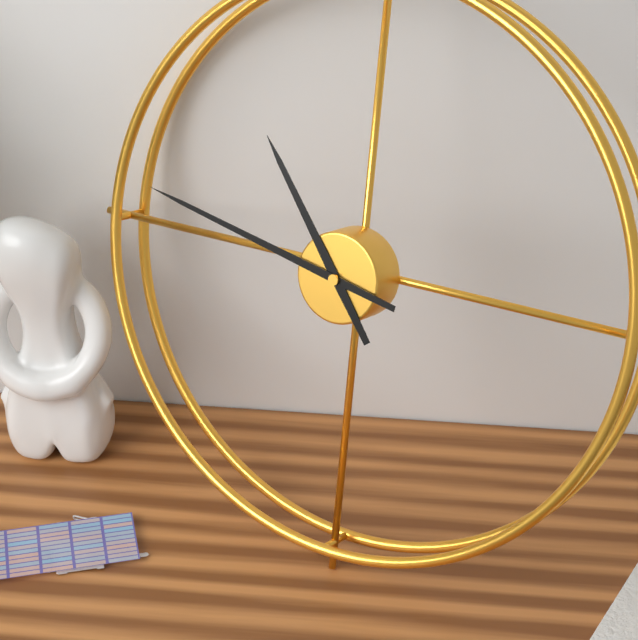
10:47
